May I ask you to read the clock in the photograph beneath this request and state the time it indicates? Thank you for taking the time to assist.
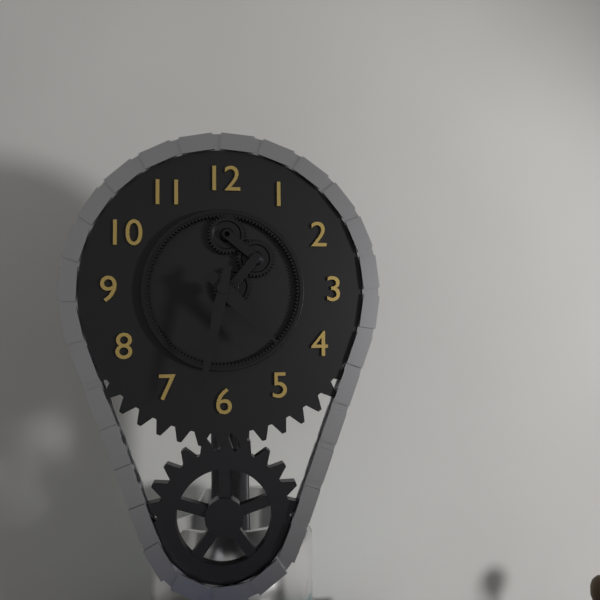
4:32
